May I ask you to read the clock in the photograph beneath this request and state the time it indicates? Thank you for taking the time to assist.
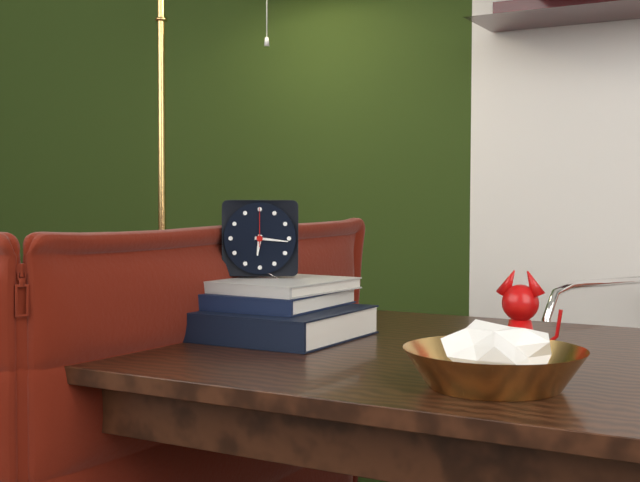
6:16
